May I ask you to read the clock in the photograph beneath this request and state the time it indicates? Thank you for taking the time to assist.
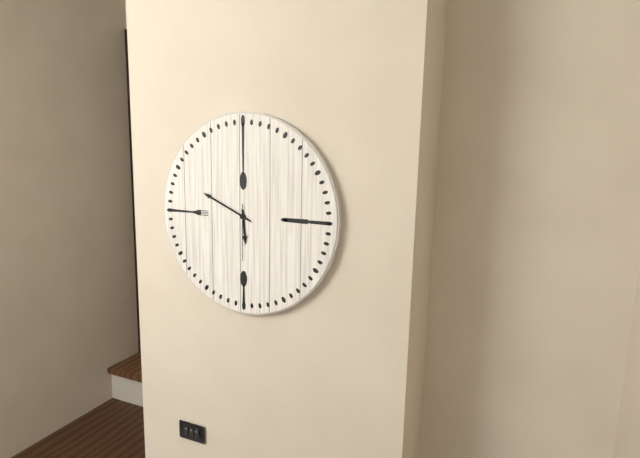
5:49:30
